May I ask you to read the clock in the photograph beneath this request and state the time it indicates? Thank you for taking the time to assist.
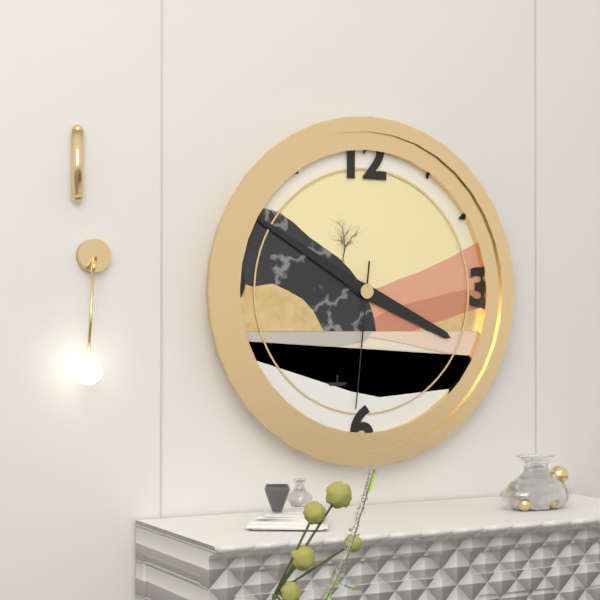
3:50:31
